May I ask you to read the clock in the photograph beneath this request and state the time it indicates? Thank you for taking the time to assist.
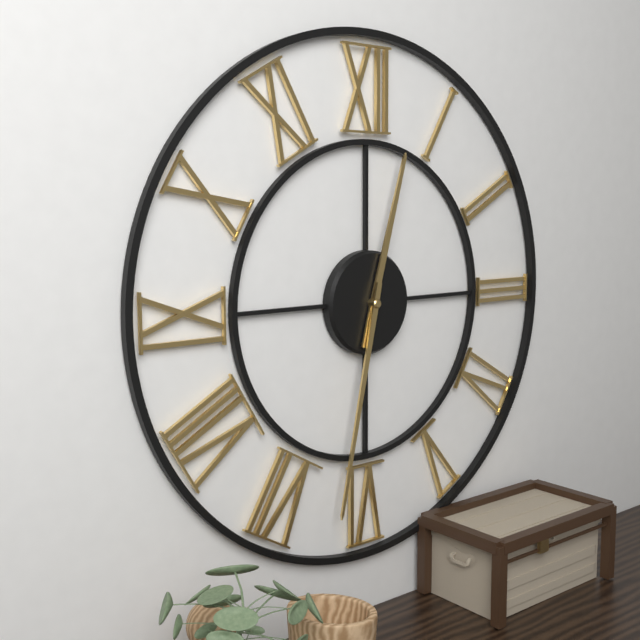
12:32
